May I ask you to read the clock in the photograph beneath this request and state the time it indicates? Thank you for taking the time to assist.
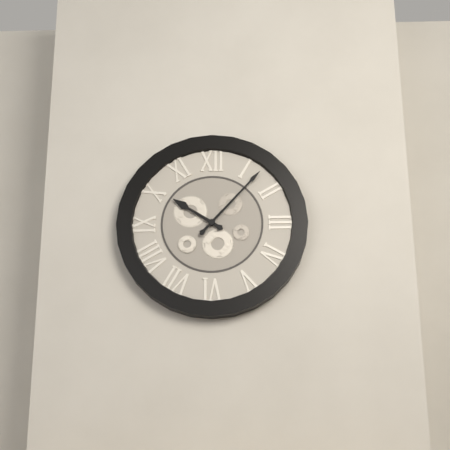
10:07
